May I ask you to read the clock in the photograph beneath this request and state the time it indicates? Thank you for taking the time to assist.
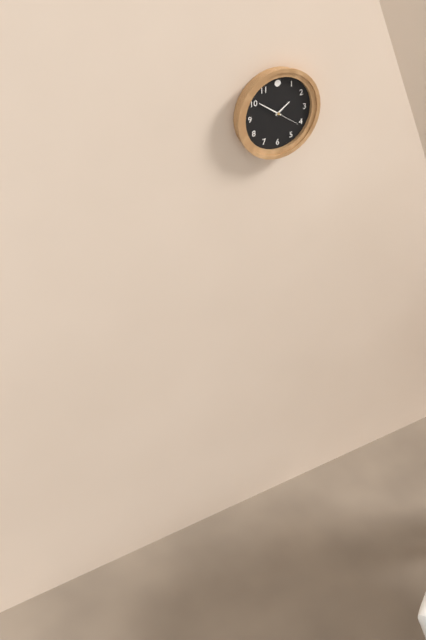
1:51
